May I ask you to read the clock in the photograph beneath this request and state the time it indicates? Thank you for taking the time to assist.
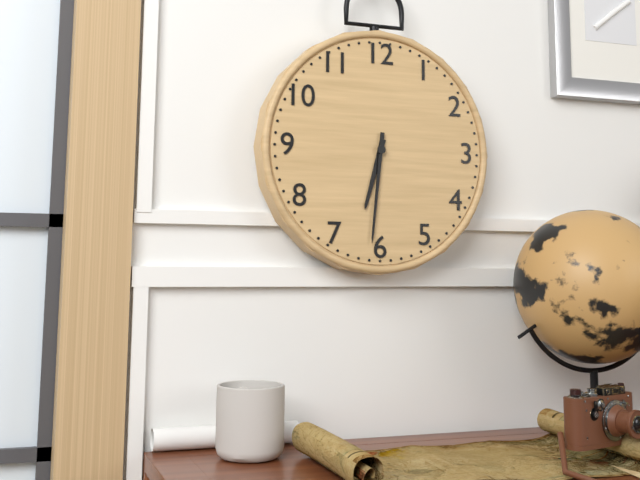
6:31
